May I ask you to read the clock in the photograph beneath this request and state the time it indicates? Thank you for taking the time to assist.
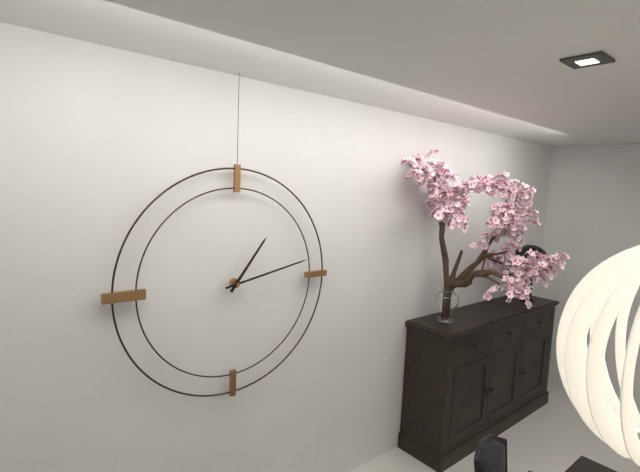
1:13
